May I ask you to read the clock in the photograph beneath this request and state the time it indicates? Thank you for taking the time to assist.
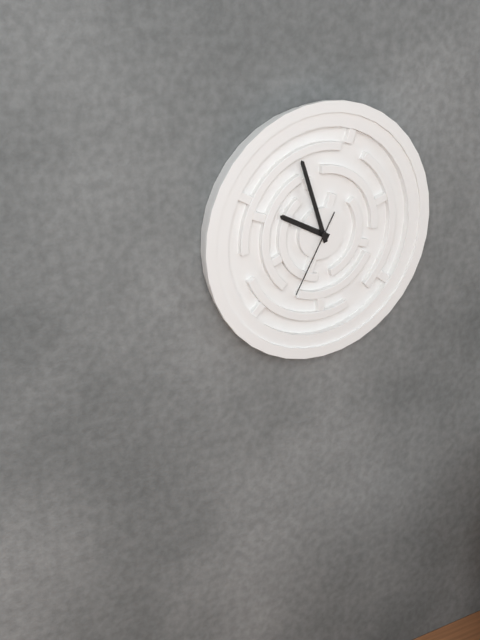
9:57:35
